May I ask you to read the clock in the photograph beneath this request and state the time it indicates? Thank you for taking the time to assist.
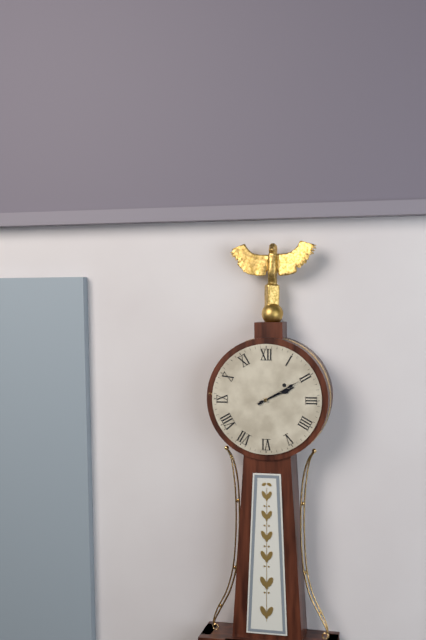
2:10
